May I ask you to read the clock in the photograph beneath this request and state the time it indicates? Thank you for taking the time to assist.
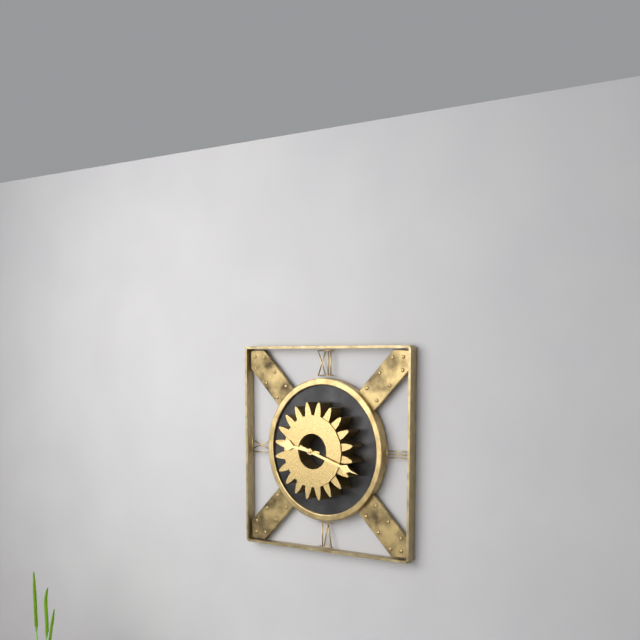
9:18
